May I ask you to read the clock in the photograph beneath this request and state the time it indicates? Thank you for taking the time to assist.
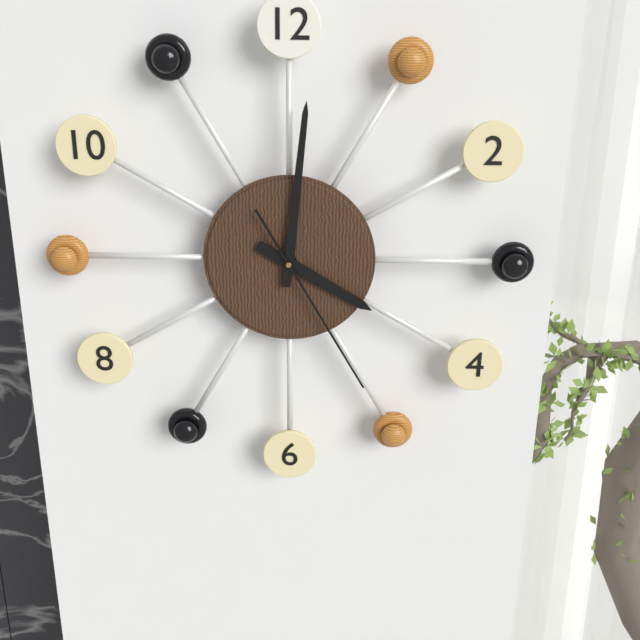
4:01:25
